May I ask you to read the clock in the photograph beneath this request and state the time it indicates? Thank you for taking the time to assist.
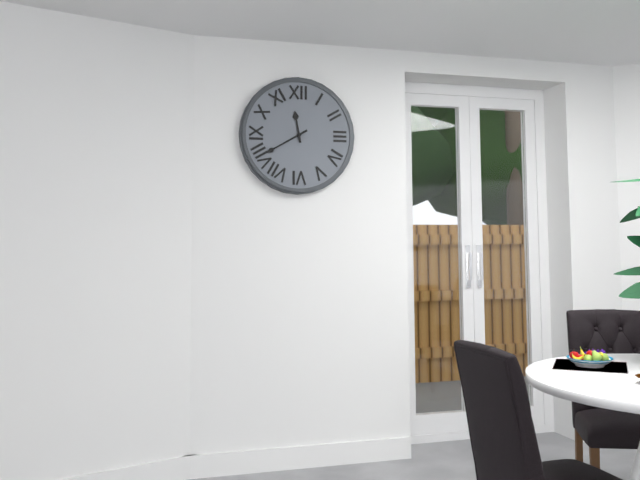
11:40
